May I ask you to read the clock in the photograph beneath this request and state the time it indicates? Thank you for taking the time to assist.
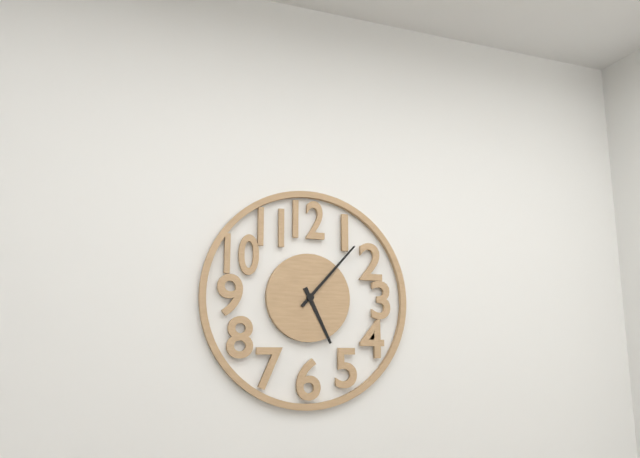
5:07
